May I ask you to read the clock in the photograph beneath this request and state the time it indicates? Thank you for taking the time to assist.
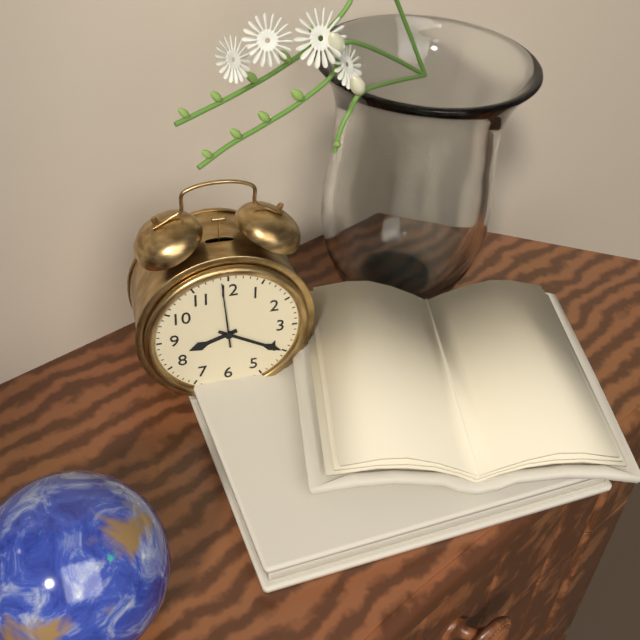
8:20:59
